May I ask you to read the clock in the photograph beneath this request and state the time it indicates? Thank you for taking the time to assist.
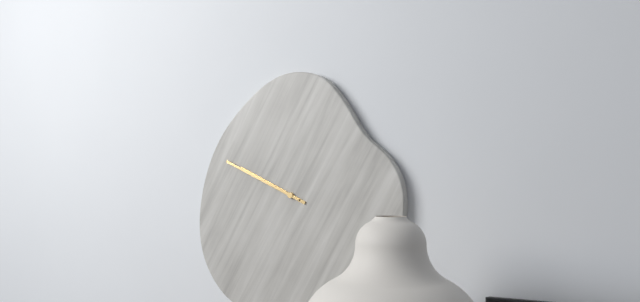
9:49
